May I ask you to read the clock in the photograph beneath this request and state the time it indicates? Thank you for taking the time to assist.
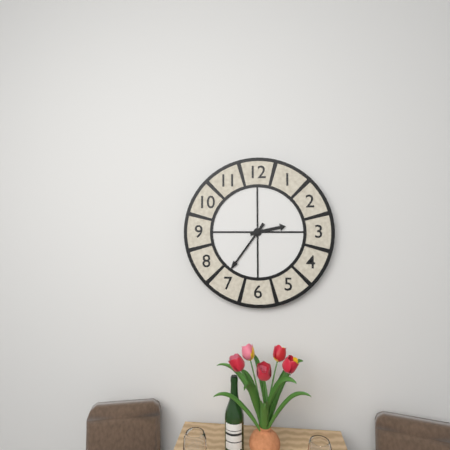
2:36
